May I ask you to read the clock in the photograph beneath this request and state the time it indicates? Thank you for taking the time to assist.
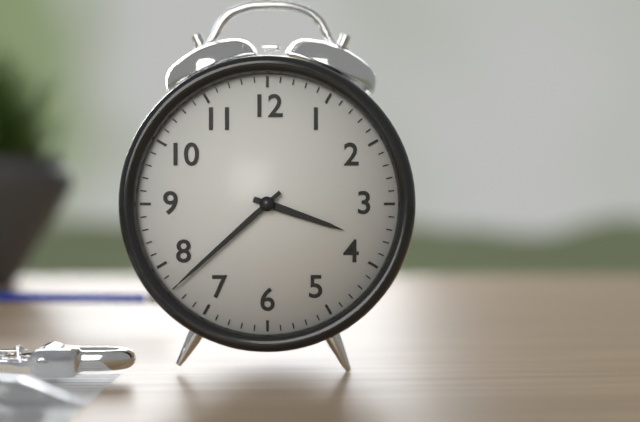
3:38
